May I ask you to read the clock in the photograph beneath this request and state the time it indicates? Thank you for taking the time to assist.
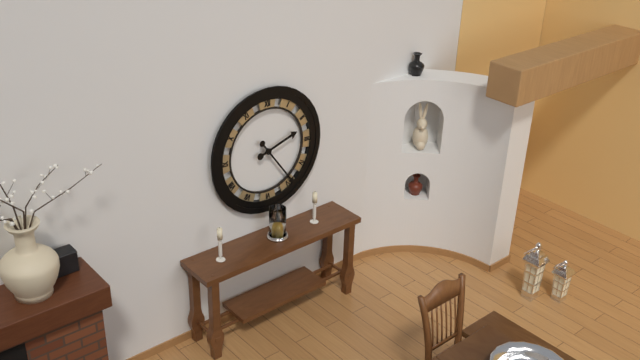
2:24
